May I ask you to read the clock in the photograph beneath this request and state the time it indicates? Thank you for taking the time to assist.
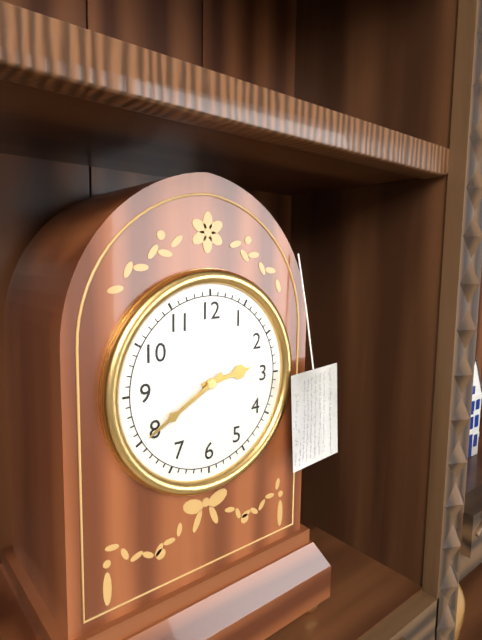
2:40
